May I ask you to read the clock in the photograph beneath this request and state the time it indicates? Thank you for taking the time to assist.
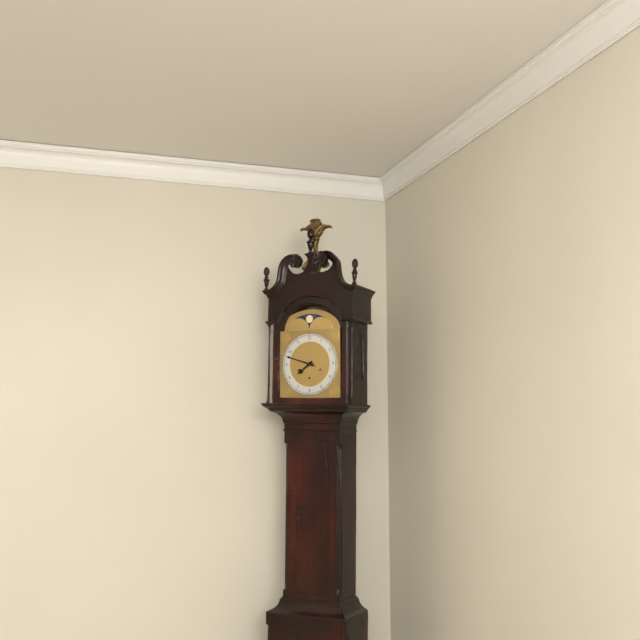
7:48
